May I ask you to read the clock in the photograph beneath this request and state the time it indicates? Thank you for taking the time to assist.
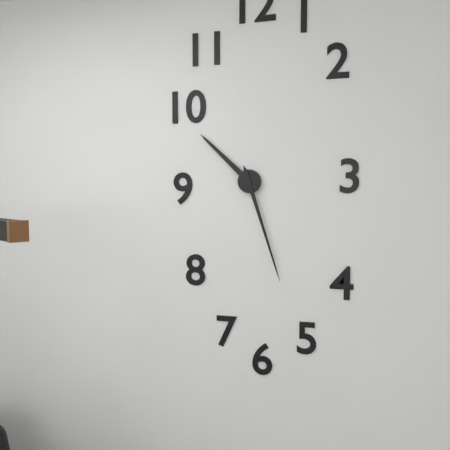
10:27
